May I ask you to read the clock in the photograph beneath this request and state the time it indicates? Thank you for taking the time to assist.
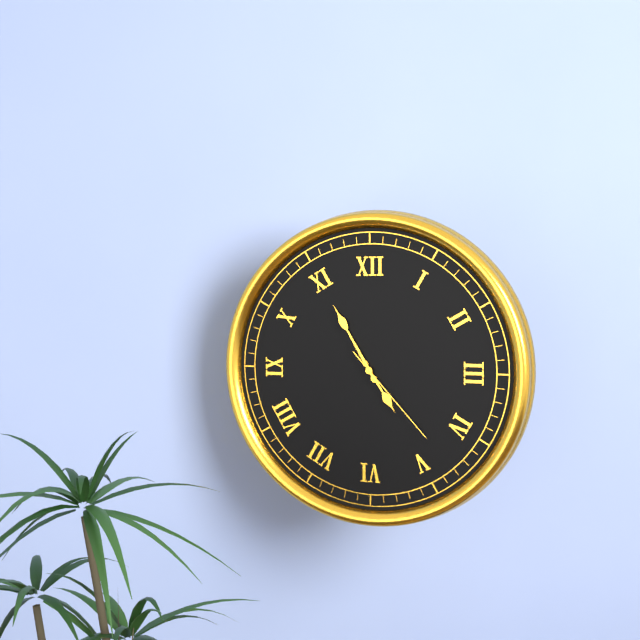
4:55:23
